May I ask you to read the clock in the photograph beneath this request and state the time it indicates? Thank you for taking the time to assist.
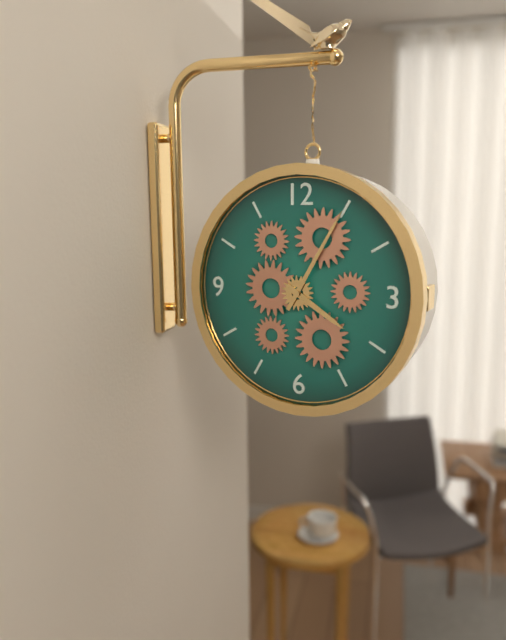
4:05
